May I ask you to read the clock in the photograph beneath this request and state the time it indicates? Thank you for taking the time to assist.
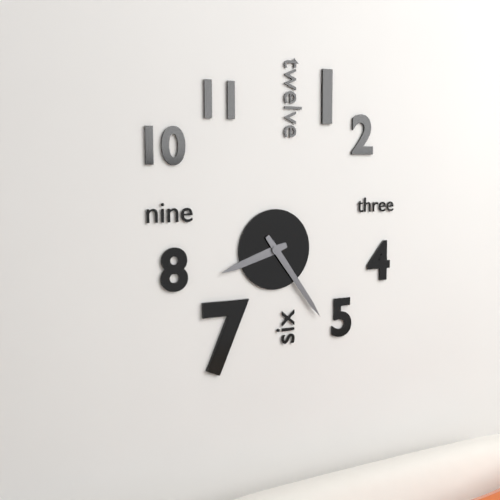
8:24
